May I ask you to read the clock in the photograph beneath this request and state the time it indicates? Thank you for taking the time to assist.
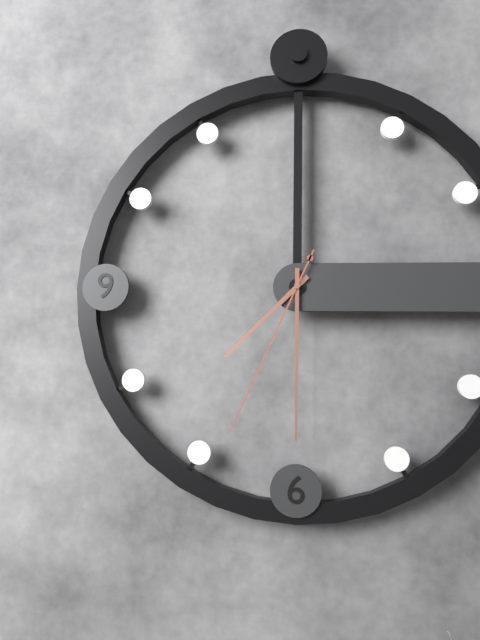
7:30:34
